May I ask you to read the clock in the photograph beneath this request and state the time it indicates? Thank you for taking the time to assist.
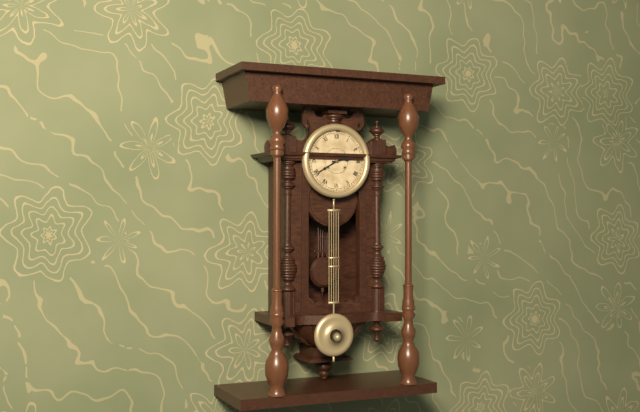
2:40
